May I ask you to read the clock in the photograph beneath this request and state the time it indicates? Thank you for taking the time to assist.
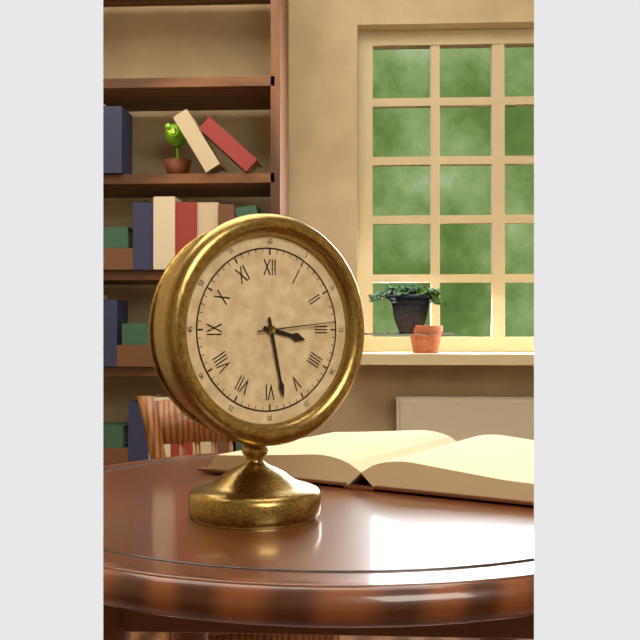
3:28:14
